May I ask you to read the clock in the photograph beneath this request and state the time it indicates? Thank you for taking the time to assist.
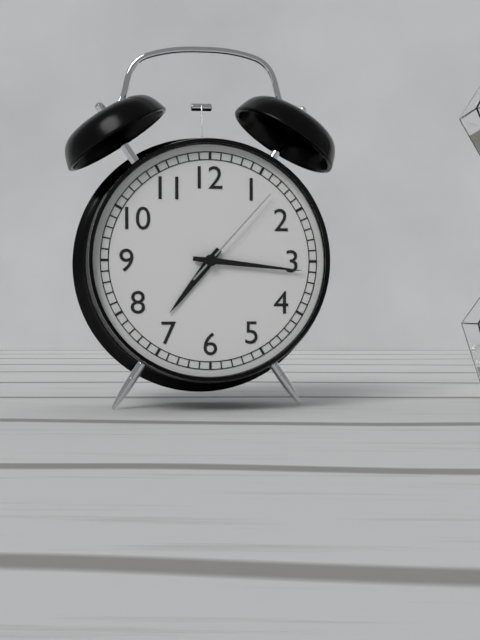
7:16:07
